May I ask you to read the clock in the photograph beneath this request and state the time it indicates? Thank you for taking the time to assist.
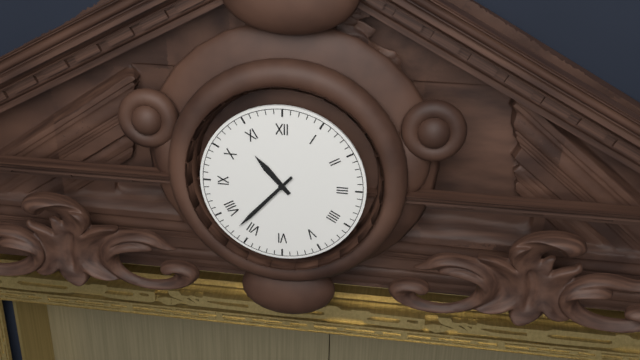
10:37
